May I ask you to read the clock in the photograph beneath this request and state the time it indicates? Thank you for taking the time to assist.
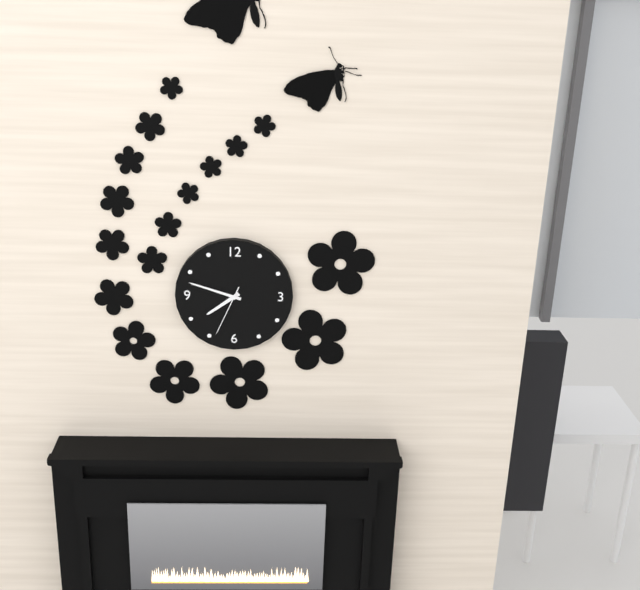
7:48:34
